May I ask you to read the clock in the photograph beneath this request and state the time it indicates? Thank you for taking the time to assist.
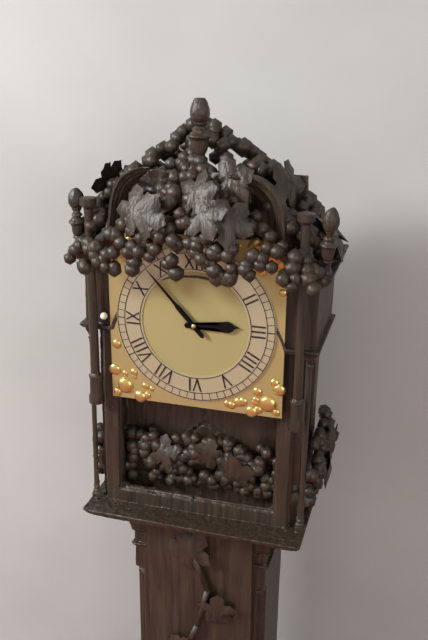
2:53
